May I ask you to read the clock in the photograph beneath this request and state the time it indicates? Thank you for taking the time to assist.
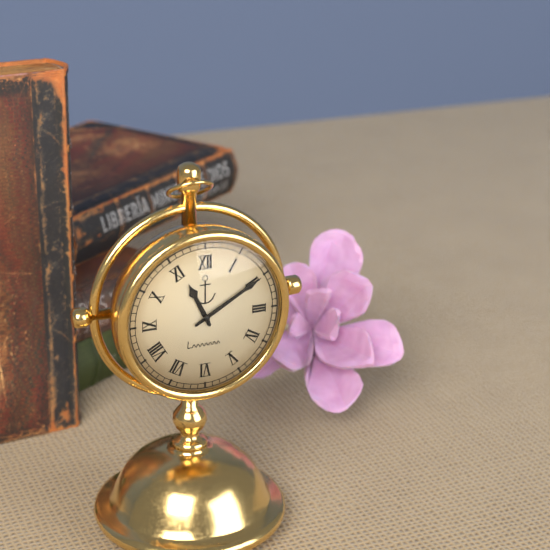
11:10
